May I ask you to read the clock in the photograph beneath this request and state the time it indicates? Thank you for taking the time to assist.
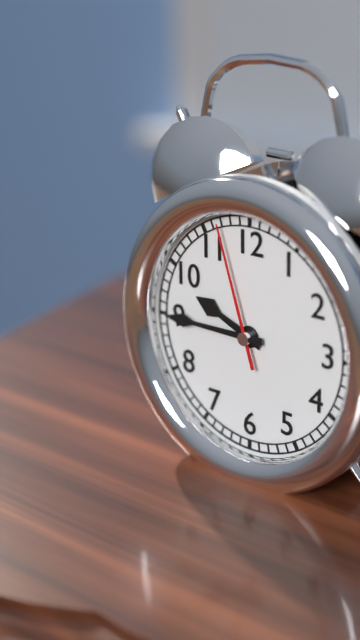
9:45:57
